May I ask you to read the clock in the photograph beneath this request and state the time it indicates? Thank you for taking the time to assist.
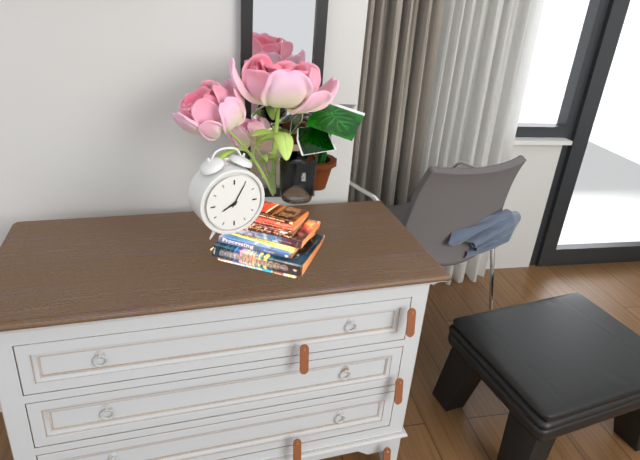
8:05
